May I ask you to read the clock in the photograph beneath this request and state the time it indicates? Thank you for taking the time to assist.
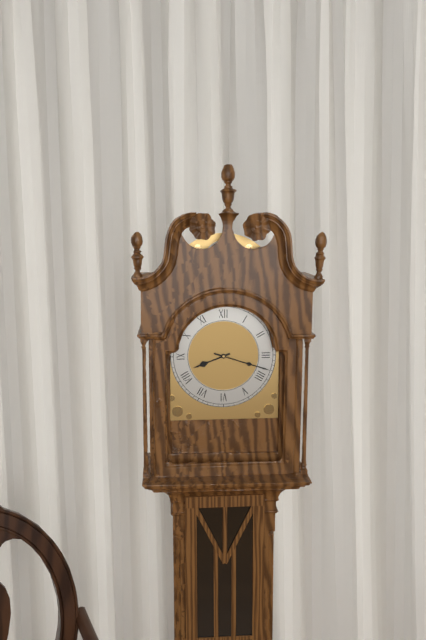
8:18
